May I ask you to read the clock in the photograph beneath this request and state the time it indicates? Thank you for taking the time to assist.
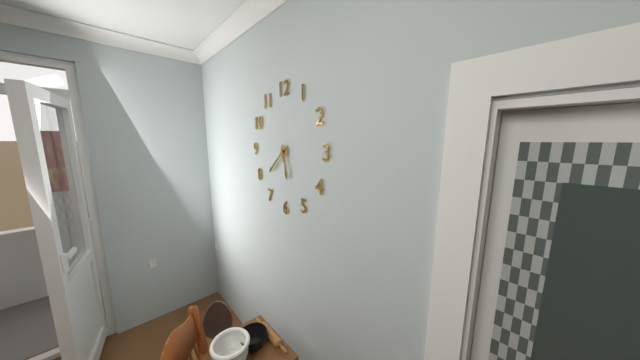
5:38
